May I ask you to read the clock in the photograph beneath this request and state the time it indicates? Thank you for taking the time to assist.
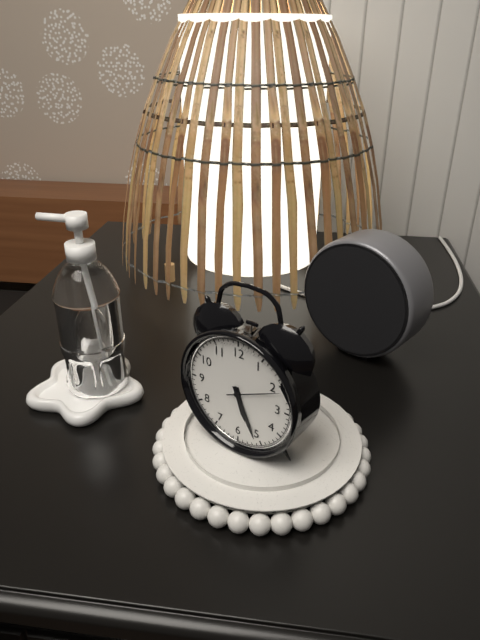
5:26:11
